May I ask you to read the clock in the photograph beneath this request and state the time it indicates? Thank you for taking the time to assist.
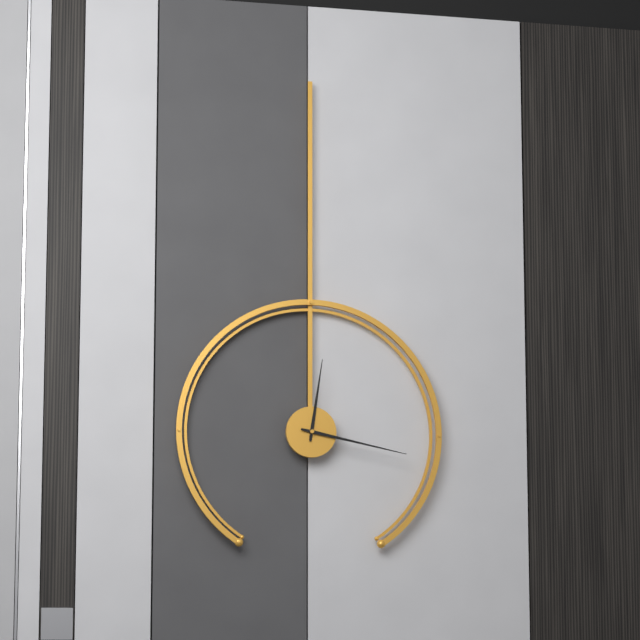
12:17
